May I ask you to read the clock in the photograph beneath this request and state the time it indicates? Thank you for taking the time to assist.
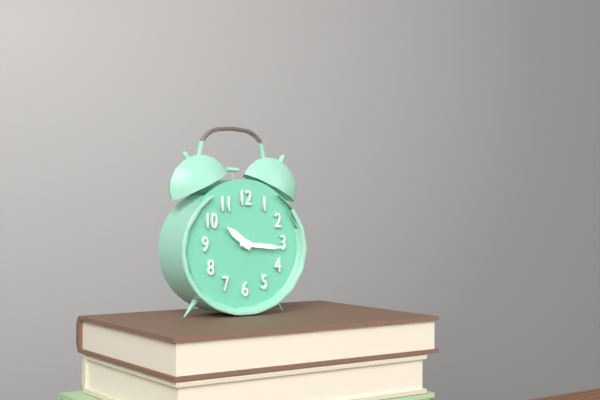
10:16
